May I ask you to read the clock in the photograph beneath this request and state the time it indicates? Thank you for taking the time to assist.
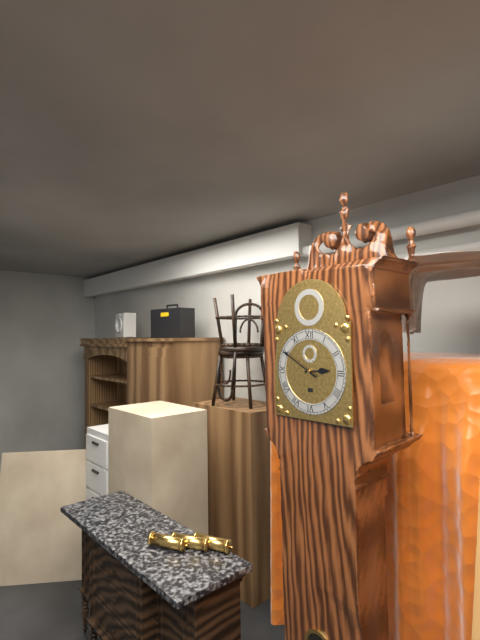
2:50
